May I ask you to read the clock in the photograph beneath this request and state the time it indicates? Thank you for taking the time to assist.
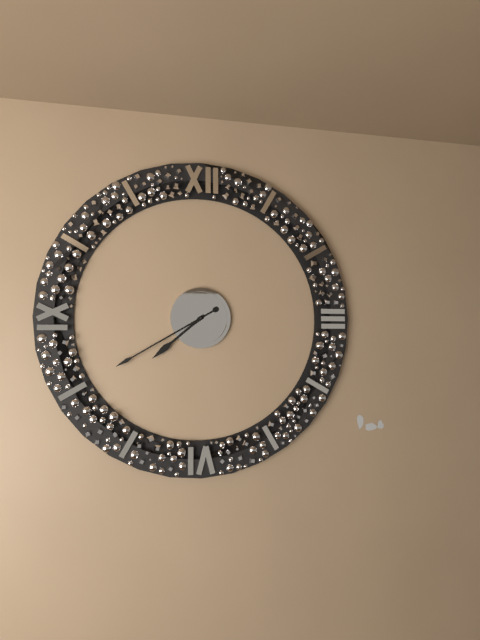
7:40
